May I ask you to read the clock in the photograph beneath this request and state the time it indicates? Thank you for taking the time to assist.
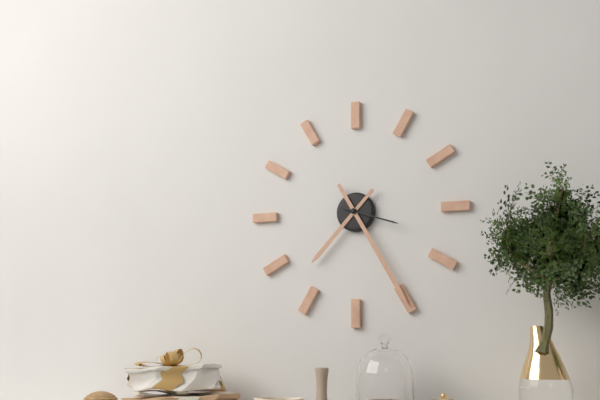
7:25:18
